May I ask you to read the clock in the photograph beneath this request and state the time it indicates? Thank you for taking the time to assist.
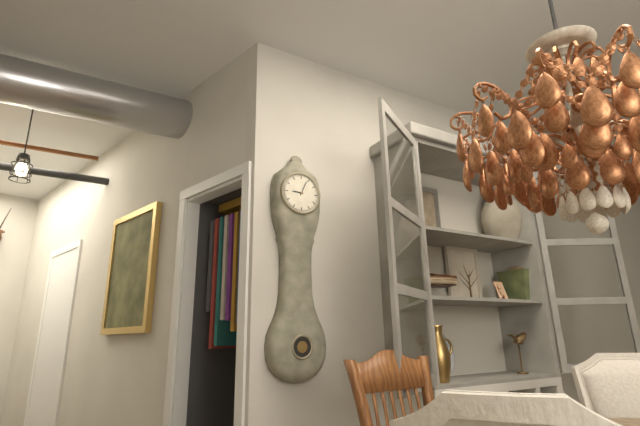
9:04
